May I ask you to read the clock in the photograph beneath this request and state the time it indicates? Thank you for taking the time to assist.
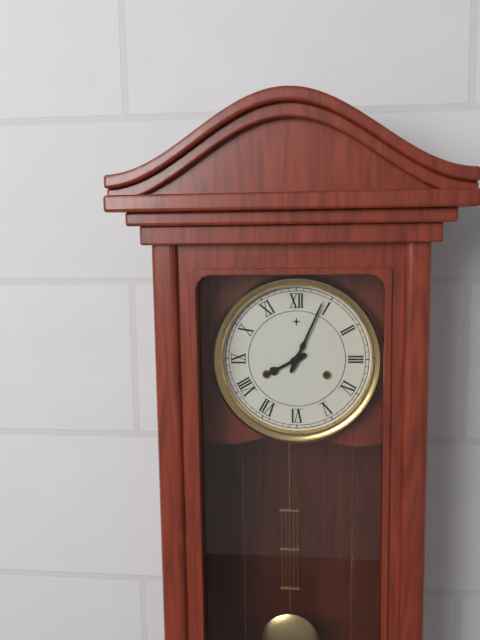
8:04
